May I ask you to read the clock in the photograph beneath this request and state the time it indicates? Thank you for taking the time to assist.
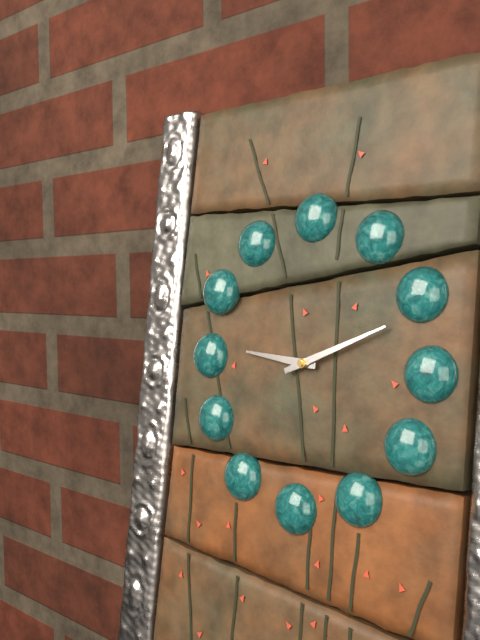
9:11
